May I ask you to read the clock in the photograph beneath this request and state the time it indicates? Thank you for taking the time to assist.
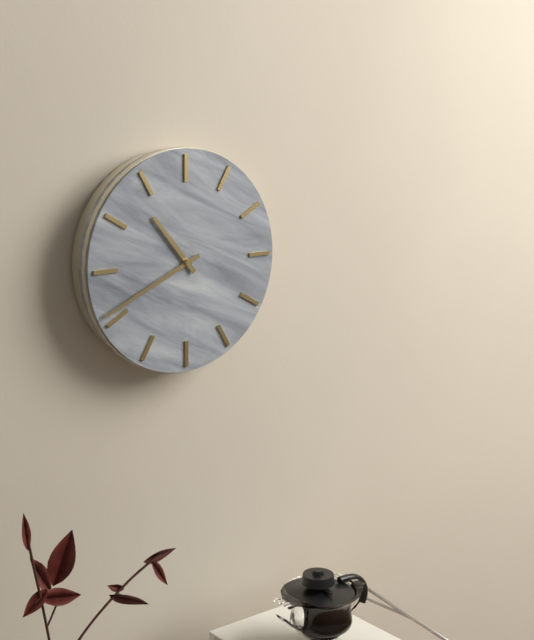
10:41
